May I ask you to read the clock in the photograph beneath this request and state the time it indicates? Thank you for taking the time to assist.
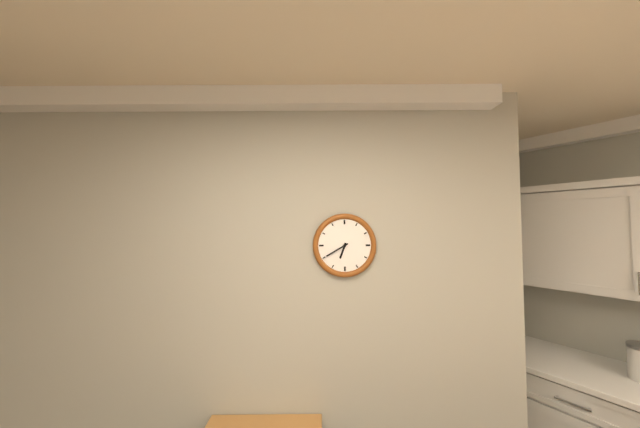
6:40
